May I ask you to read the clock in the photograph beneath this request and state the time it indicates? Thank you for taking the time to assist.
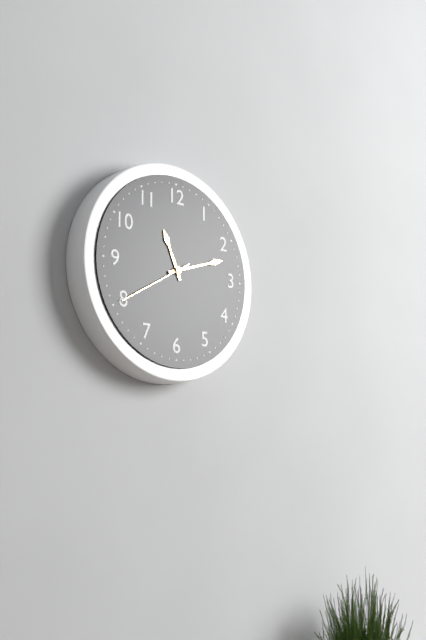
11:12:40
